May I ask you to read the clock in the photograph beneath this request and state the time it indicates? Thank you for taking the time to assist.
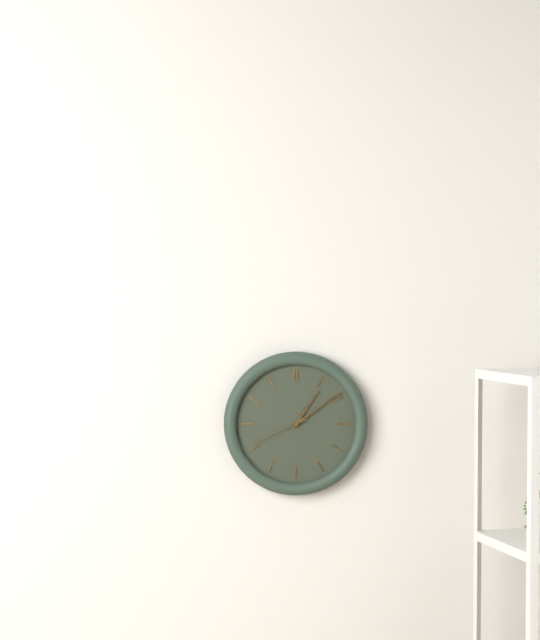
1:09:41
